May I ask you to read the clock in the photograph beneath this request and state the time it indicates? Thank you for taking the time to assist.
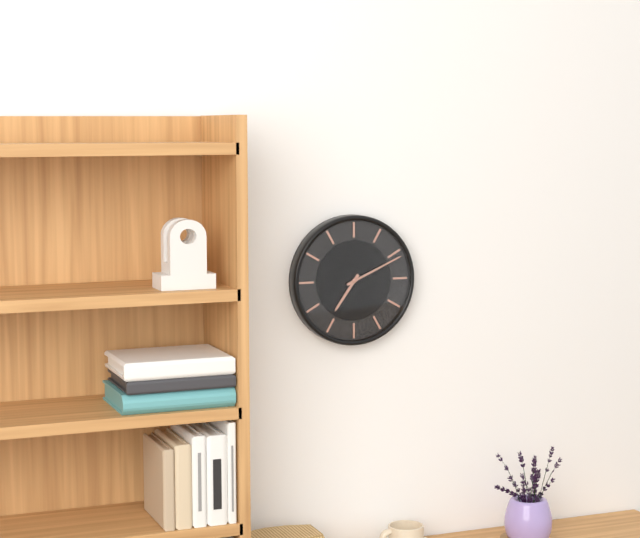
7:11
